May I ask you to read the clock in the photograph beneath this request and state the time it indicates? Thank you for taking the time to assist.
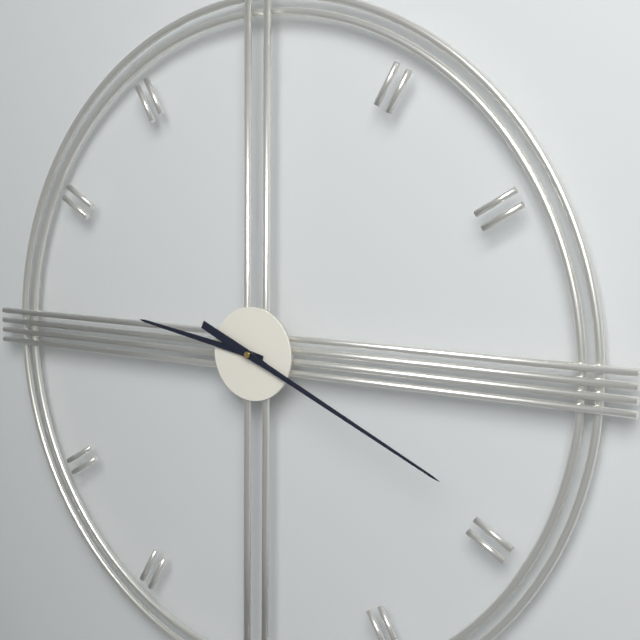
9:19
